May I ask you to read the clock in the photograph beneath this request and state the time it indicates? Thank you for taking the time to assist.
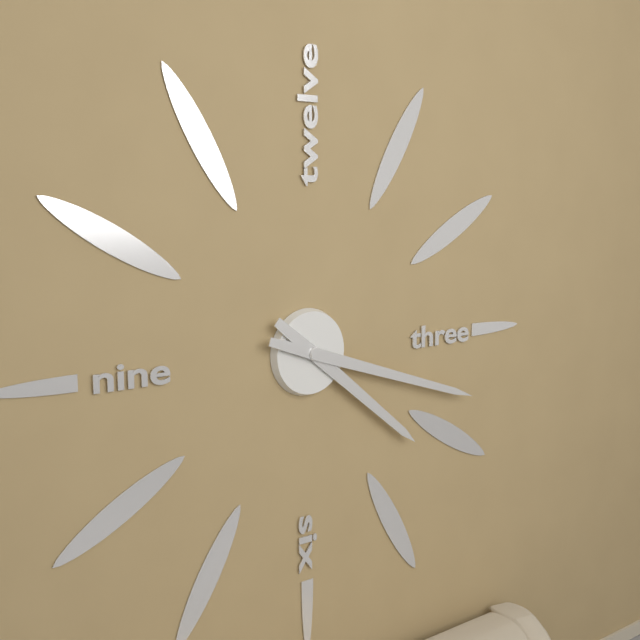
4:18
